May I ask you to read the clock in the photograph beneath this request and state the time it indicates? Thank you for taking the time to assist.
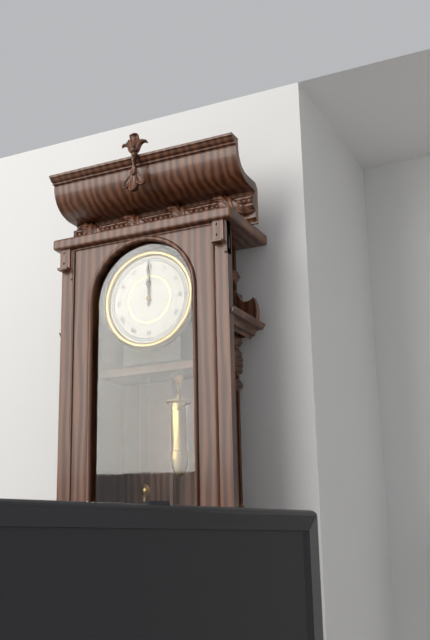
12:00
